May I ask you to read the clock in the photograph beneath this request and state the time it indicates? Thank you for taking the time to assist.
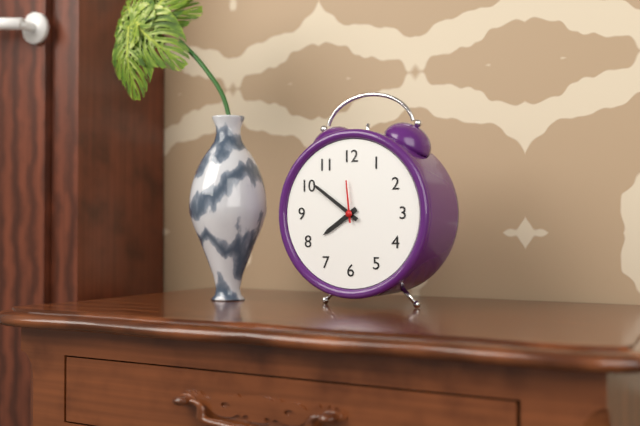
7:51
